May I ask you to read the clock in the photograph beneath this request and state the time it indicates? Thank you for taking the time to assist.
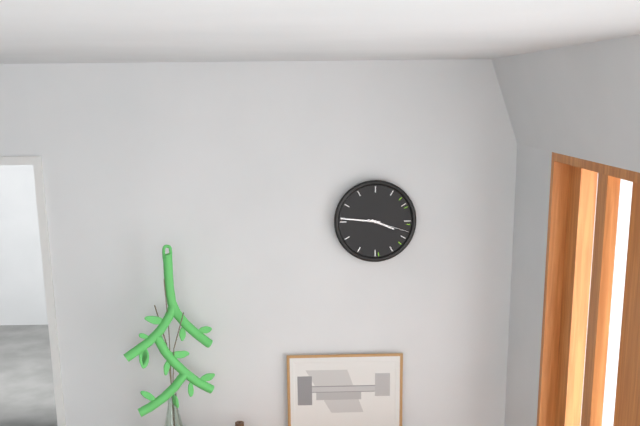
3:46
